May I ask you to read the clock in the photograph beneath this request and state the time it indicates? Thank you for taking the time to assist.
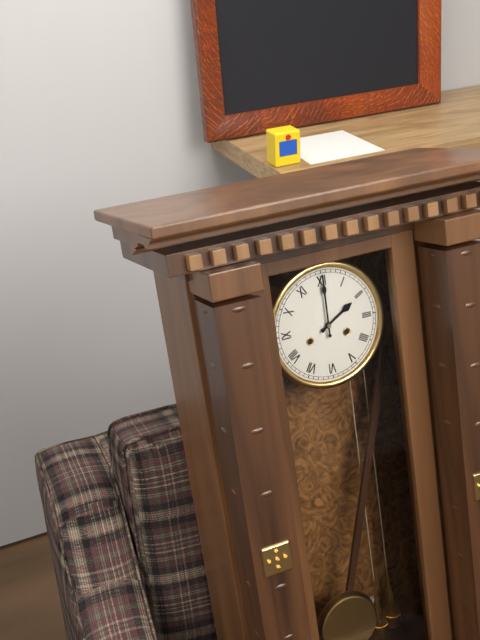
2:00
